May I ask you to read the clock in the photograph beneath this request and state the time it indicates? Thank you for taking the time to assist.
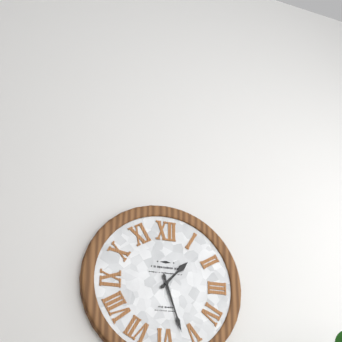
1:27
